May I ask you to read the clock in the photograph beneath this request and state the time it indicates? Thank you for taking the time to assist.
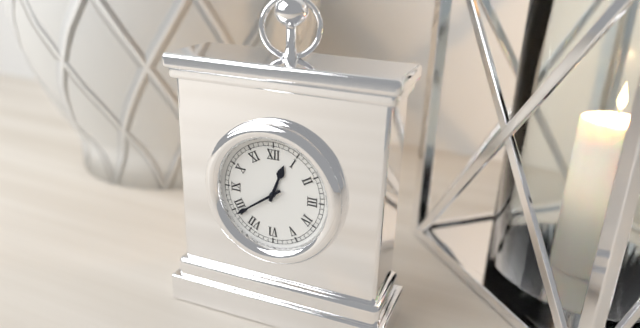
12:39
